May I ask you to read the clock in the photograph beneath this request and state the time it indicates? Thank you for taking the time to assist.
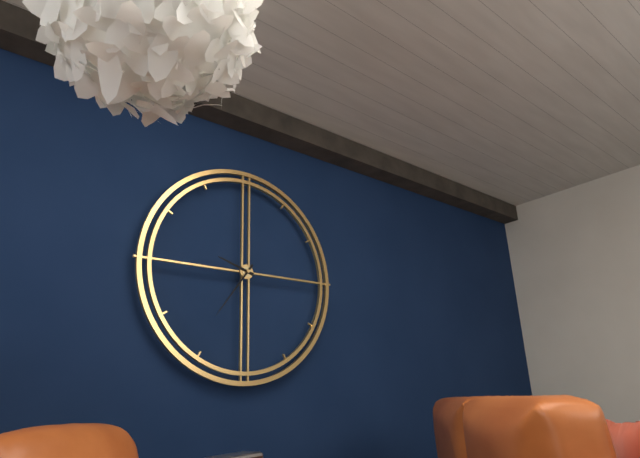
9:36
